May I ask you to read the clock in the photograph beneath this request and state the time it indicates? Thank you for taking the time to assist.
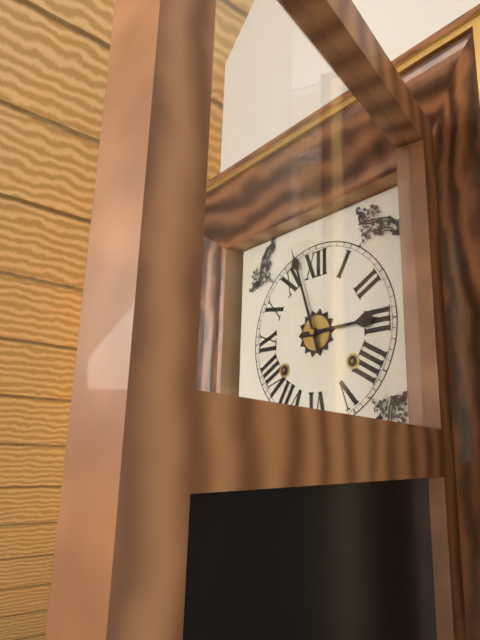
2:57
